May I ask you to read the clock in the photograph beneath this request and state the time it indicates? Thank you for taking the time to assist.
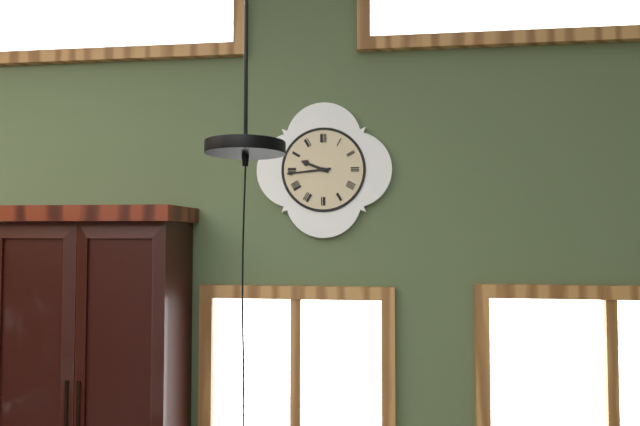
9:44
